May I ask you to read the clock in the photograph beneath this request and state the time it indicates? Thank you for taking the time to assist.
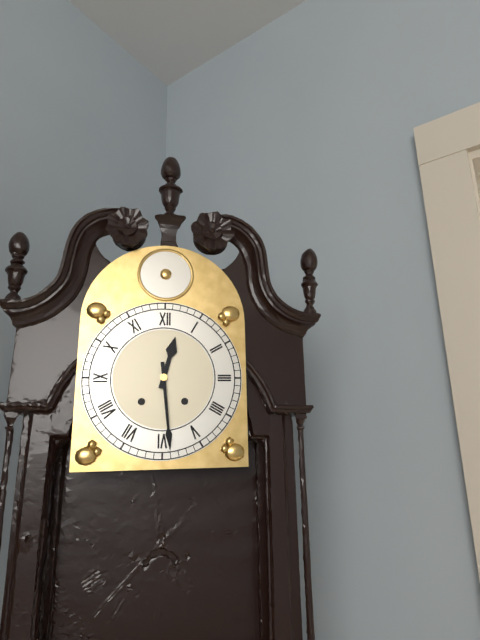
12:29
